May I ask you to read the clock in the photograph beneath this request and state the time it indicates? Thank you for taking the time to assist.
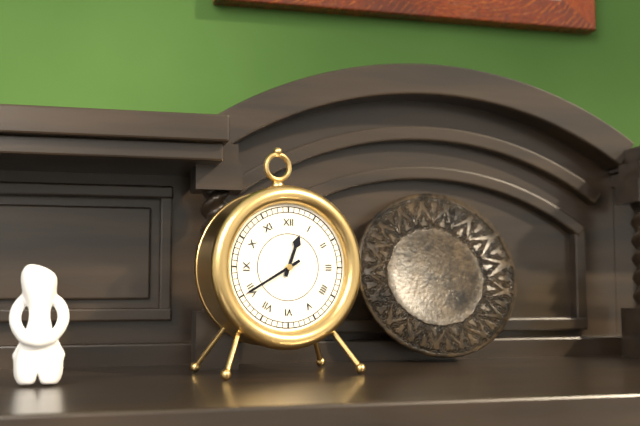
12:40
